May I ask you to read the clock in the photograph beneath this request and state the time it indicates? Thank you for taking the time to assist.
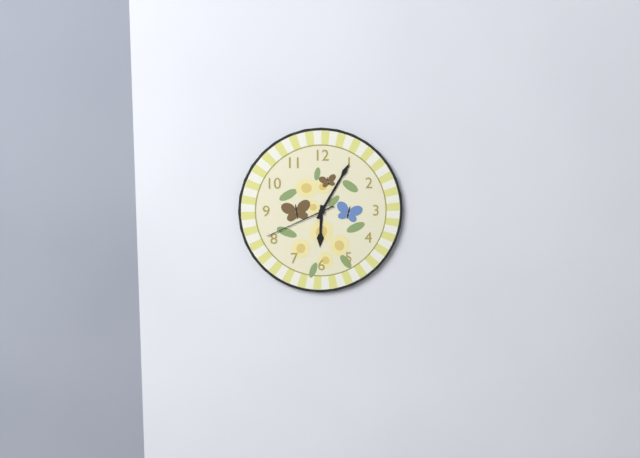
6:05:41
